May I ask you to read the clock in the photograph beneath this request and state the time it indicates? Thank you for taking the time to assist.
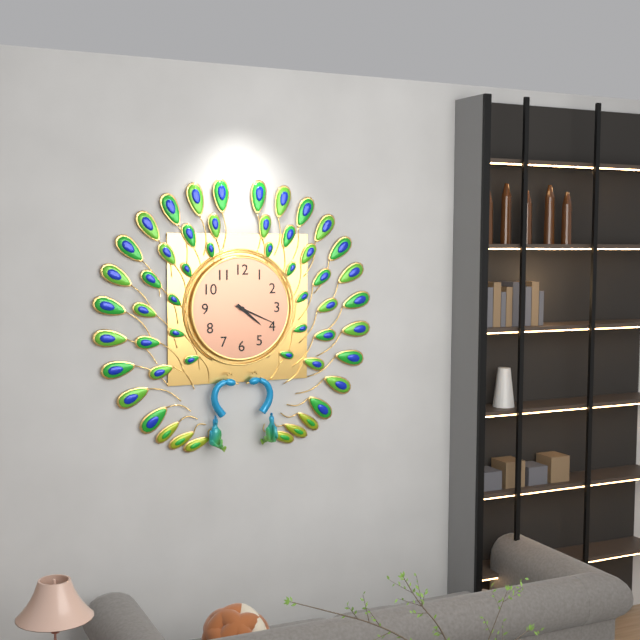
4:19
